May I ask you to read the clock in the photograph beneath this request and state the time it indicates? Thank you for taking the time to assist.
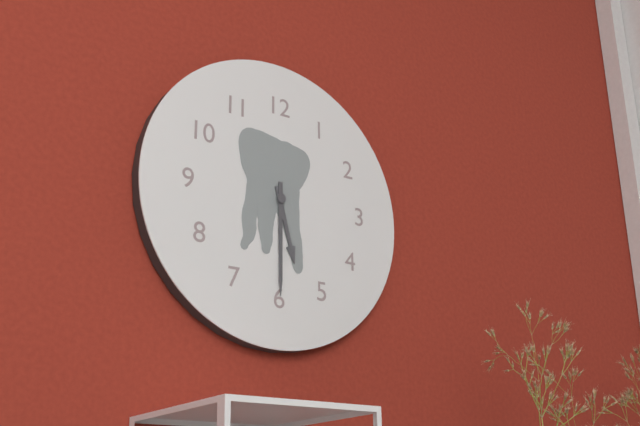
5:30
